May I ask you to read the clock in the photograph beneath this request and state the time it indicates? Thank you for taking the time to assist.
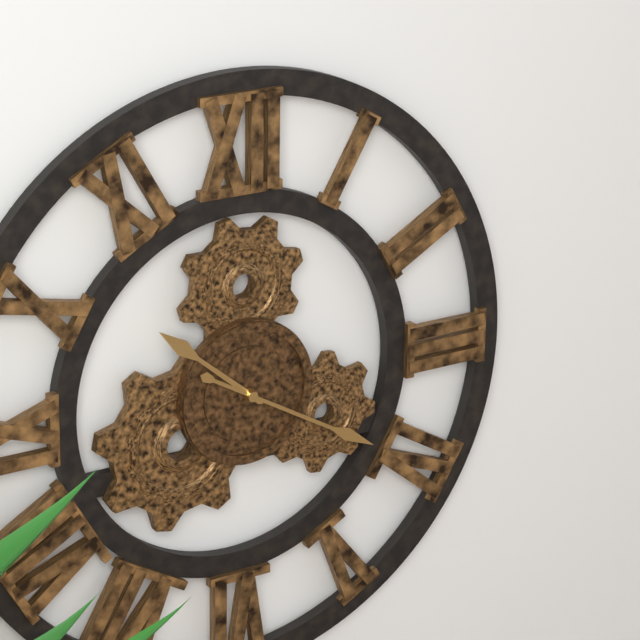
10:20
